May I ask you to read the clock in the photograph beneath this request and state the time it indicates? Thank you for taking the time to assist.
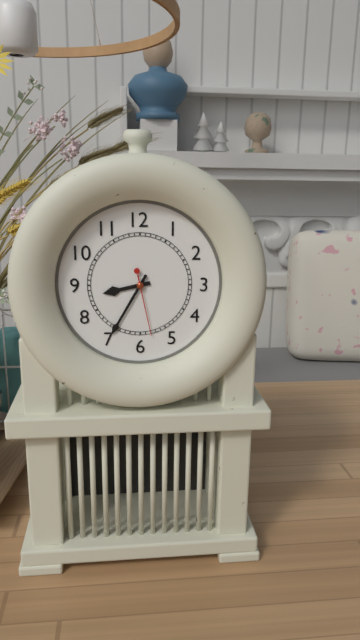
8:35:28
